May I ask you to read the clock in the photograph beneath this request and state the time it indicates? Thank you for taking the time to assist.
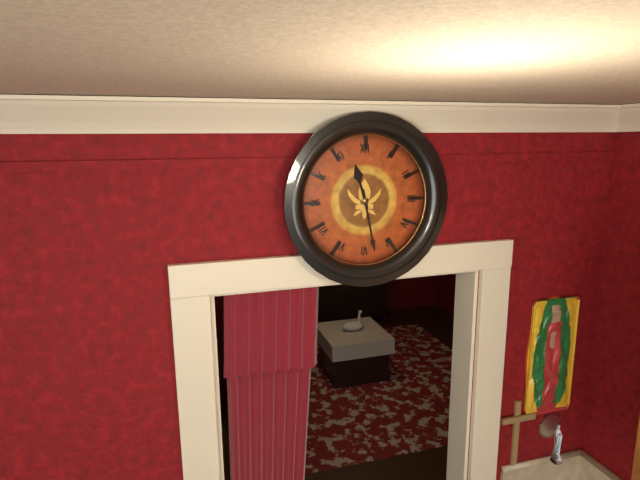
11:28
